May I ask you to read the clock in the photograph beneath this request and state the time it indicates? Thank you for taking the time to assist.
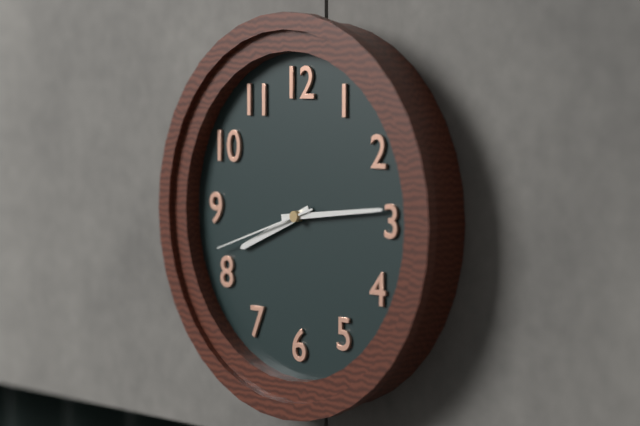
8:14:42
